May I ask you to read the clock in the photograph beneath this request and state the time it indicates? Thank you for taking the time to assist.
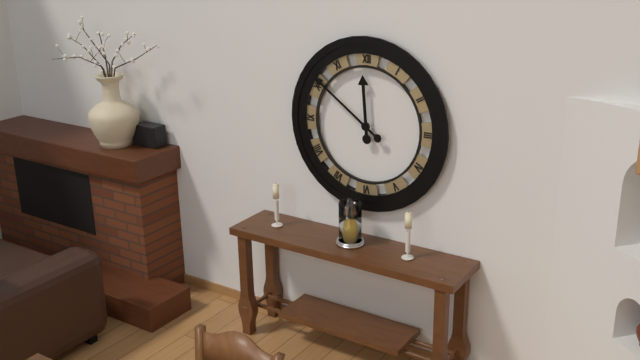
11:51
